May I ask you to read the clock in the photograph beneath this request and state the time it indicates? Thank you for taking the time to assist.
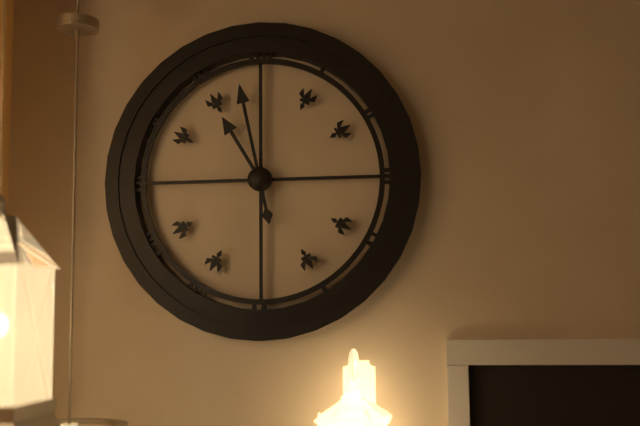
10:58
